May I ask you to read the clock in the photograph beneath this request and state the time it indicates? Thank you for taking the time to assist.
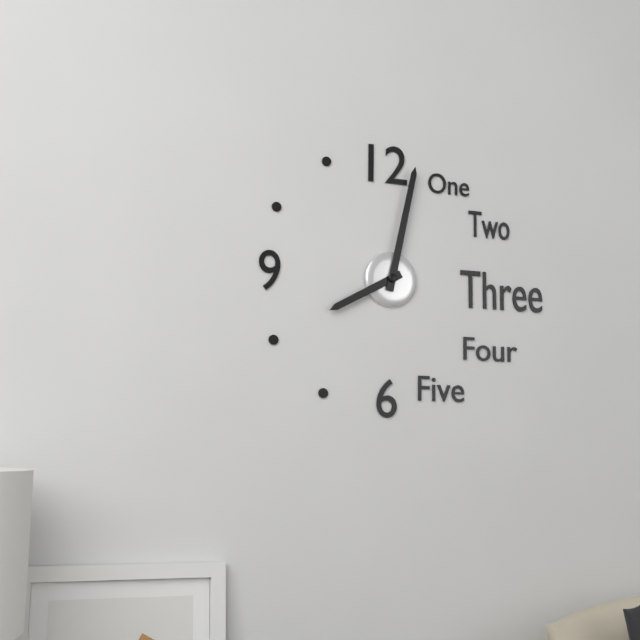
8:02
